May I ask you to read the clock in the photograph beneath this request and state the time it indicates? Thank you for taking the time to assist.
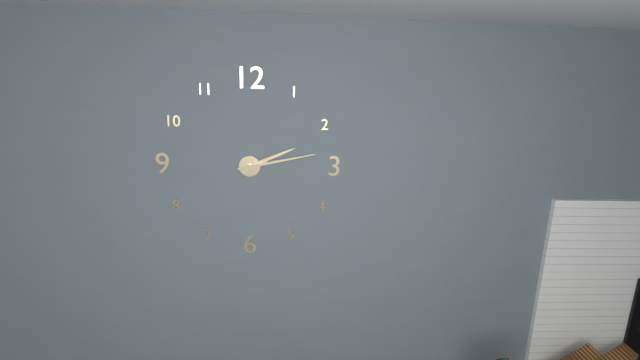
2:13
